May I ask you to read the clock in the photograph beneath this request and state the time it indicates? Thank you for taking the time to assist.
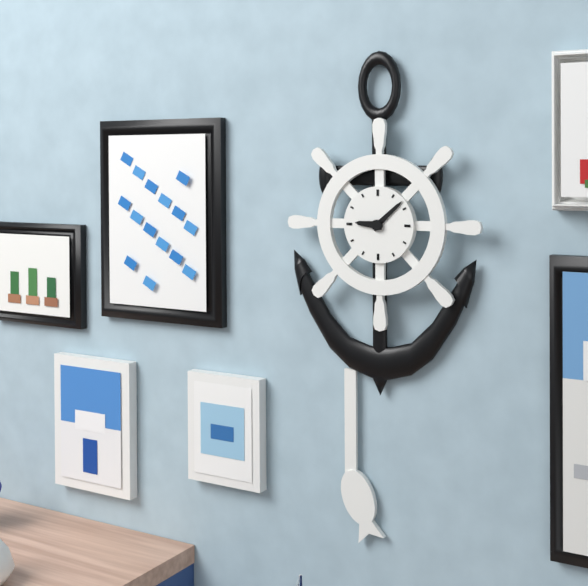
9:08
